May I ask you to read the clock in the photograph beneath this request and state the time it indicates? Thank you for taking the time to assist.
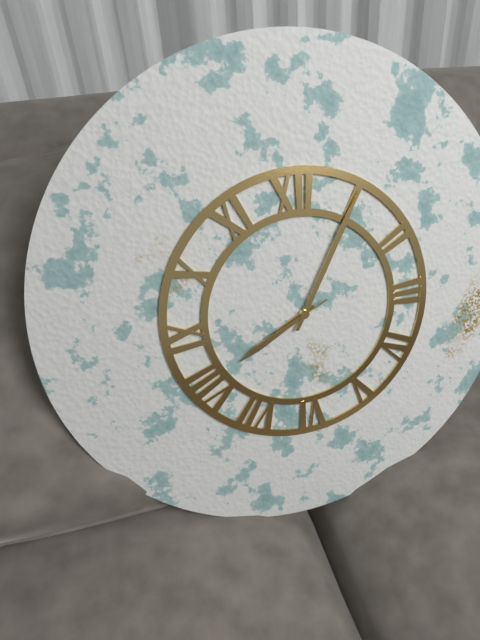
8:05:41
